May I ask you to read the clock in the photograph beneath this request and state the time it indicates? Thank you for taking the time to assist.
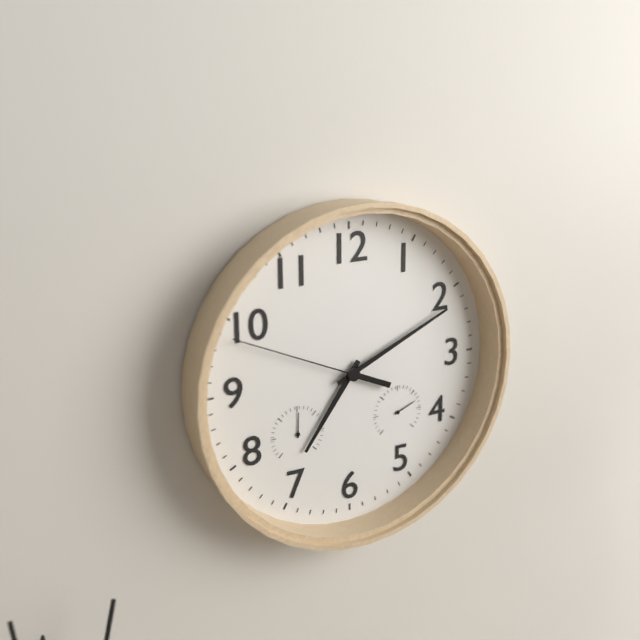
7:11:49
